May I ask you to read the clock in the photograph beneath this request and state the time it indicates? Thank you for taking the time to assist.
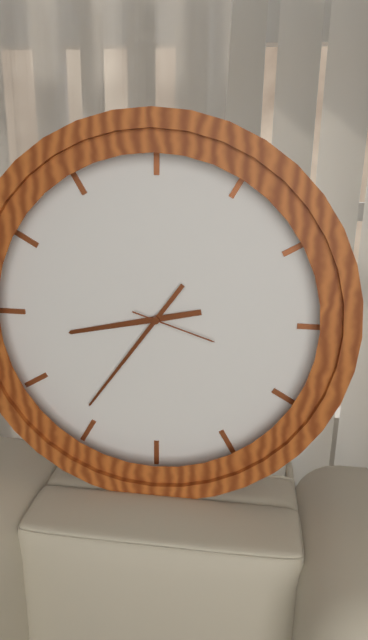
8:36:18
